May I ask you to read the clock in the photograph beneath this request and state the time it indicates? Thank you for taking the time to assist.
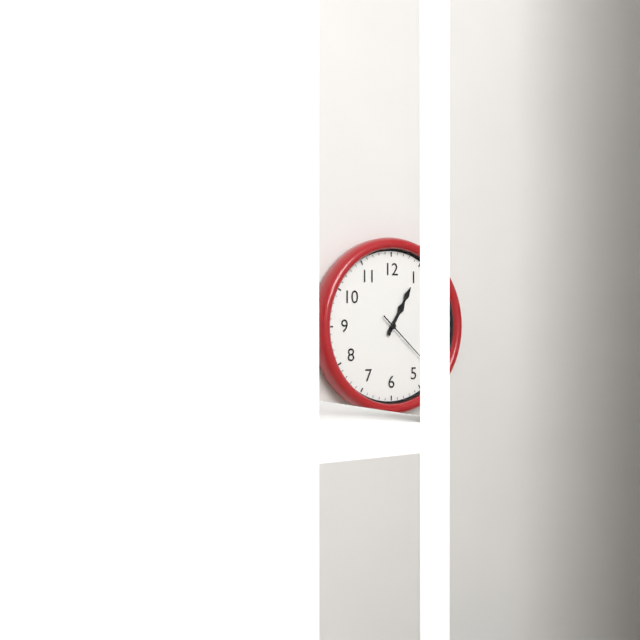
1:05:22
